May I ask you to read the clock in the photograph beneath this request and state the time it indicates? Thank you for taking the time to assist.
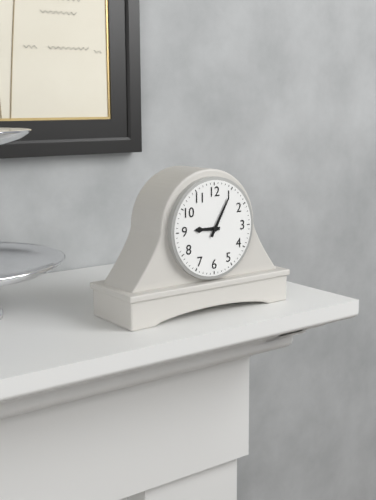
9:05
